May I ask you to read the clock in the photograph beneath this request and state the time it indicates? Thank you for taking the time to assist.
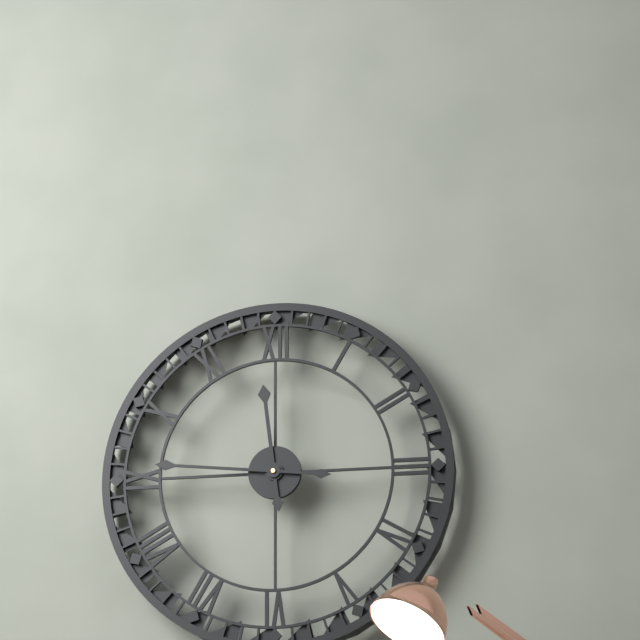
11:46
